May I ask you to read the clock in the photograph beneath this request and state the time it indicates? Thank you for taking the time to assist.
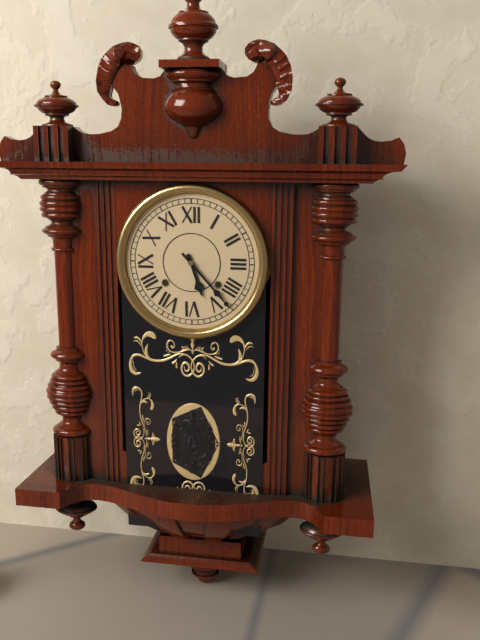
5:23
